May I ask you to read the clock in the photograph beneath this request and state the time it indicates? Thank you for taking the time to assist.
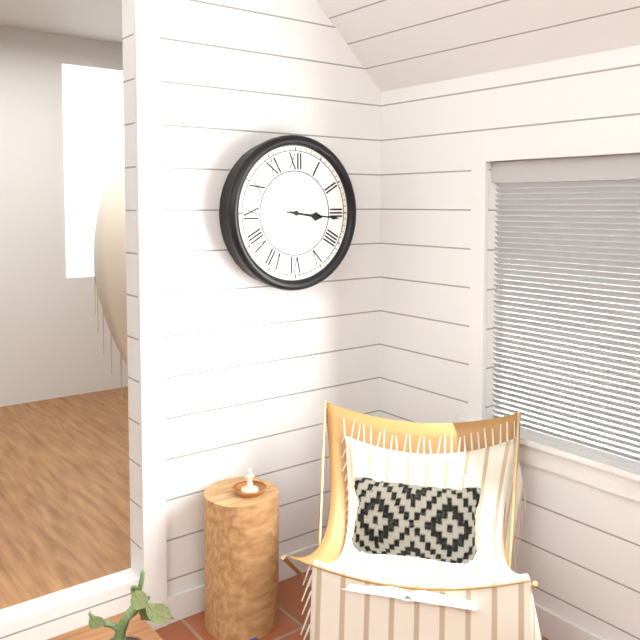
3:16
